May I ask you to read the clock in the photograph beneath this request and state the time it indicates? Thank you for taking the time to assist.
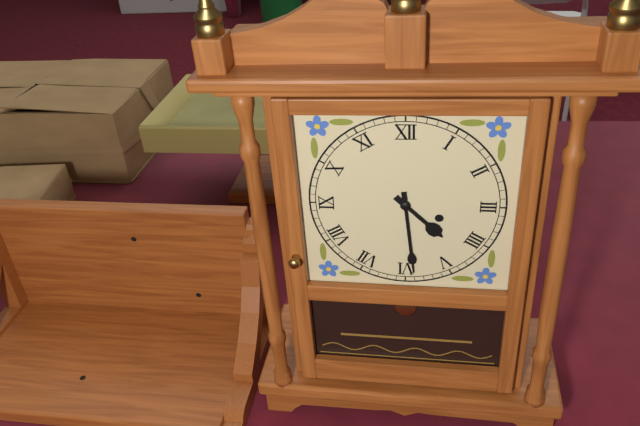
4:29
